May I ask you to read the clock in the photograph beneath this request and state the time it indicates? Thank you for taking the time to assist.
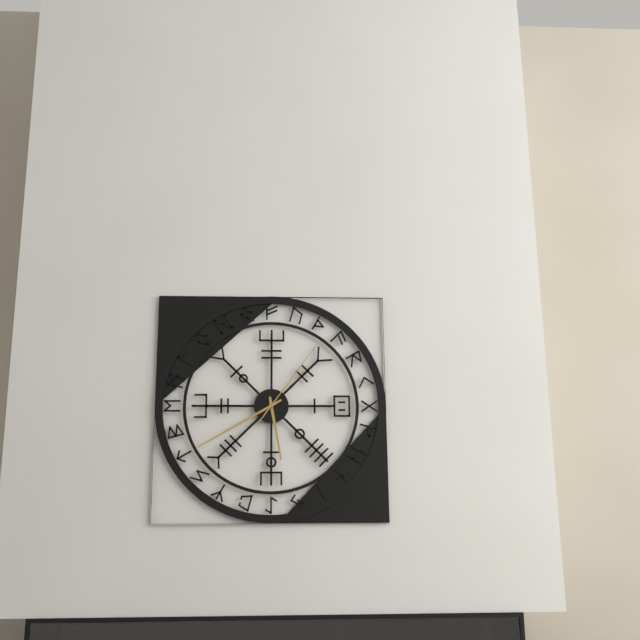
5:40:06
